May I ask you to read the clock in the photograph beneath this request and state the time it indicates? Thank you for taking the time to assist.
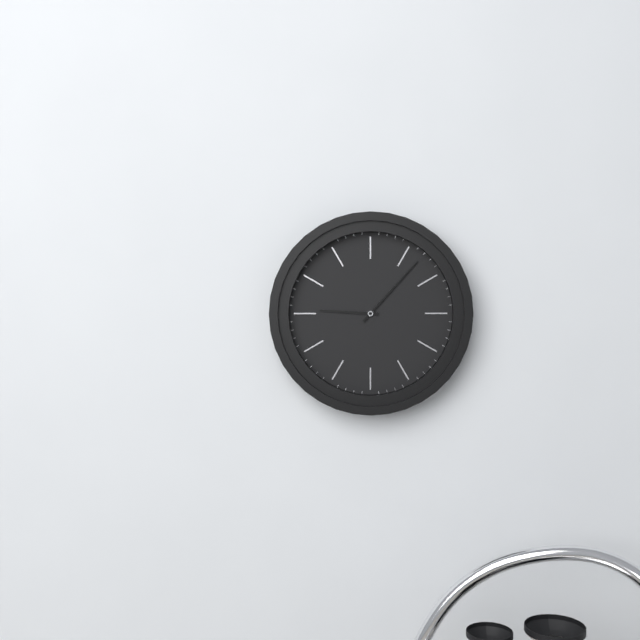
9:07
